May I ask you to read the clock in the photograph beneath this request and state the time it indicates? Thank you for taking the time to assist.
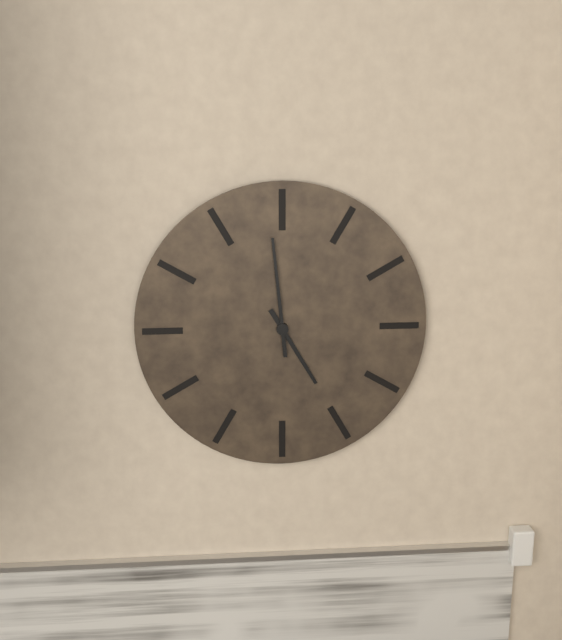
4:59
